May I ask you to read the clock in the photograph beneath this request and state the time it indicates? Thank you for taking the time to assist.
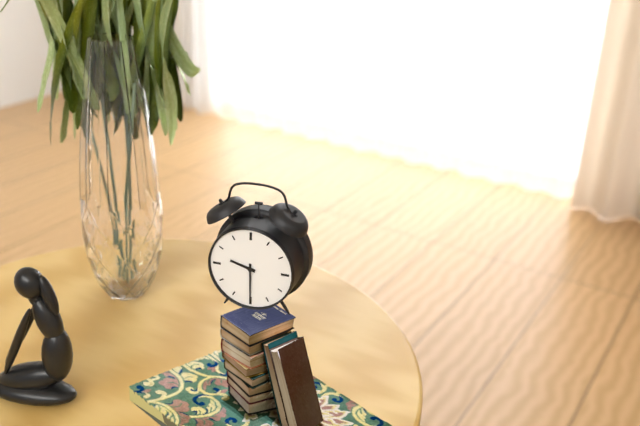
9:30
